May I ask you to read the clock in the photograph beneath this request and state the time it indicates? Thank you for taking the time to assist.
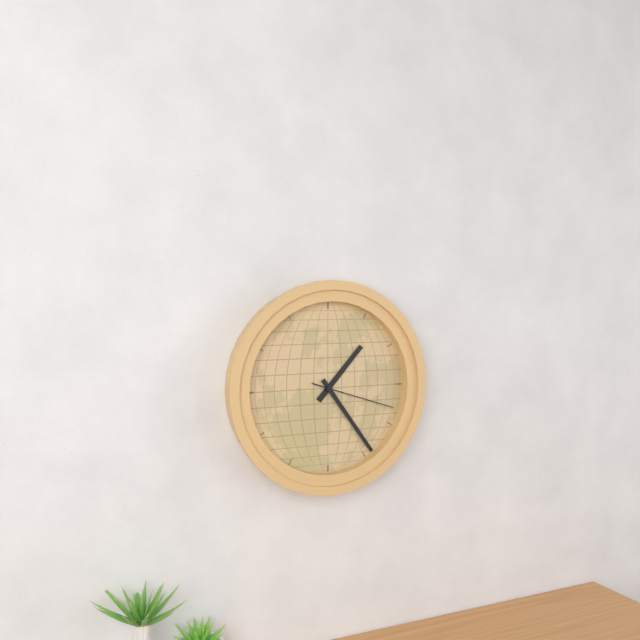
1:24:18
